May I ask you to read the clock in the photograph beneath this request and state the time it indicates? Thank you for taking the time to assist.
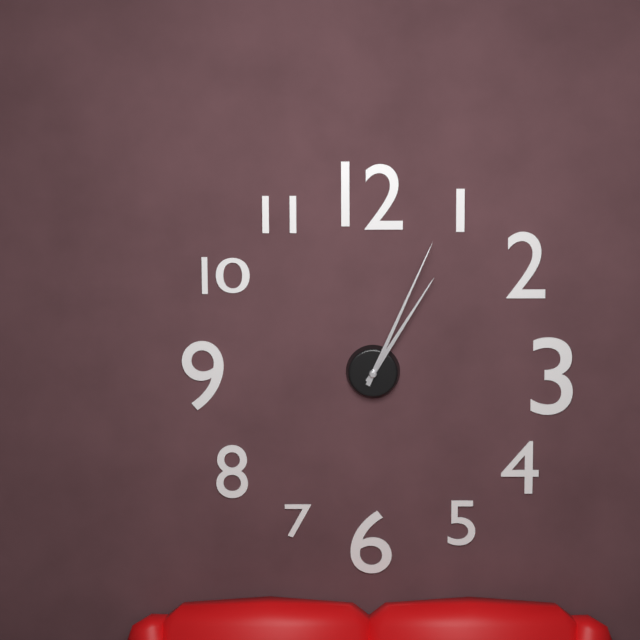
1:04
